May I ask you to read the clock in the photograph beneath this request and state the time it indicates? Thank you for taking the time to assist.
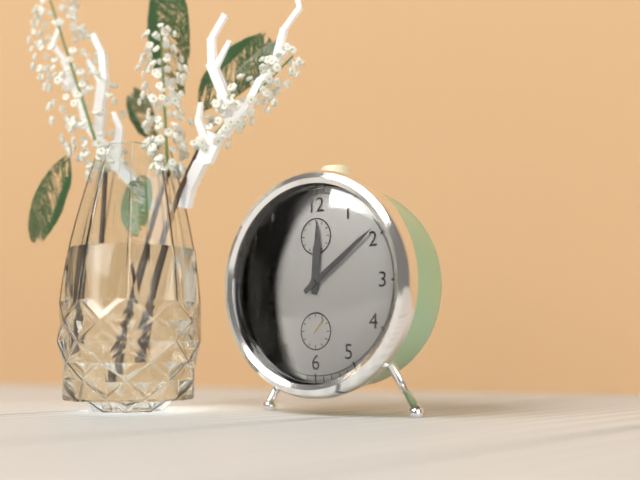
12:09
